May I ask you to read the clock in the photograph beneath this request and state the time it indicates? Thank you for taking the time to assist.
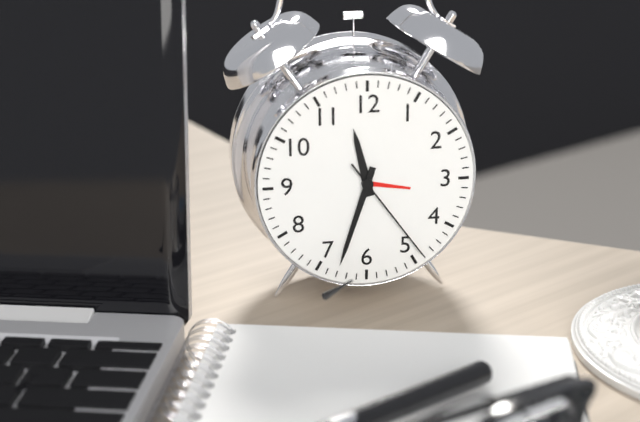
11:33:24
